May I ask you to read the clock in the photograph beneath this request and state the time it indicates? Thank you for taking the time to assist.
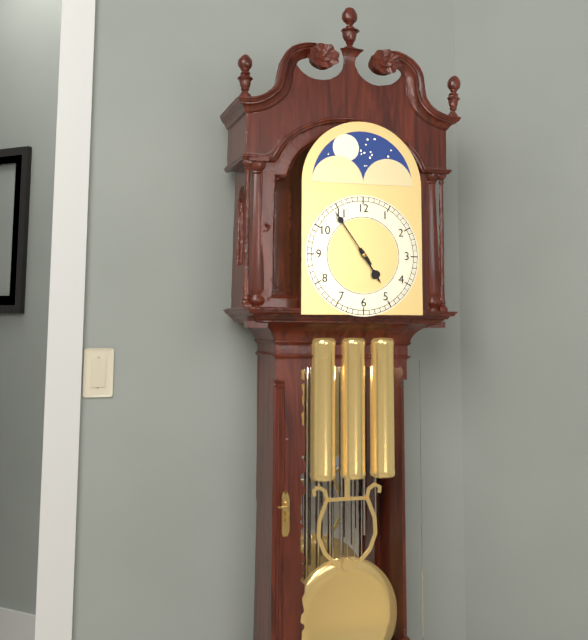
4:54
